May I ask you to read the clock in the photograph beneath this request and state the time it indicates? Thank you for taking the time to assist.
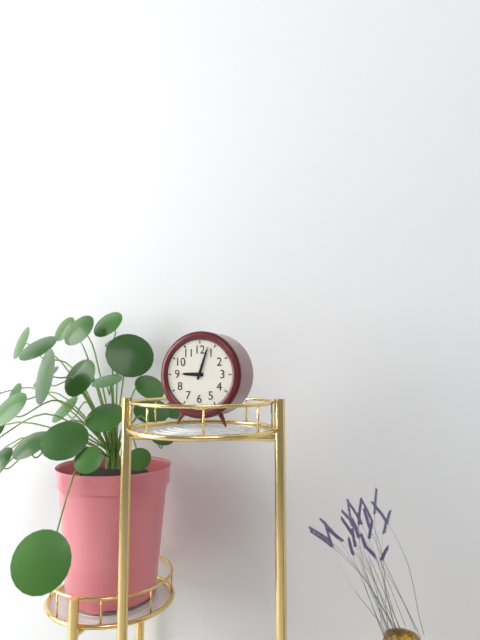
9:03
